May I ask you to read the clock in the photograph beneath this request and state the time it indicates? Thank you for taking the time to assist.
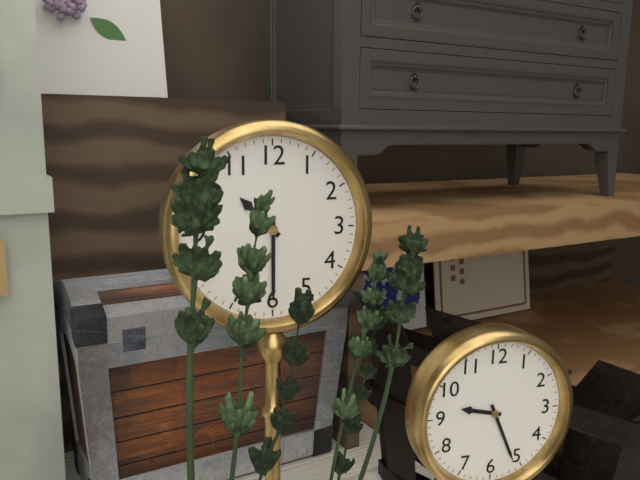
10:30
